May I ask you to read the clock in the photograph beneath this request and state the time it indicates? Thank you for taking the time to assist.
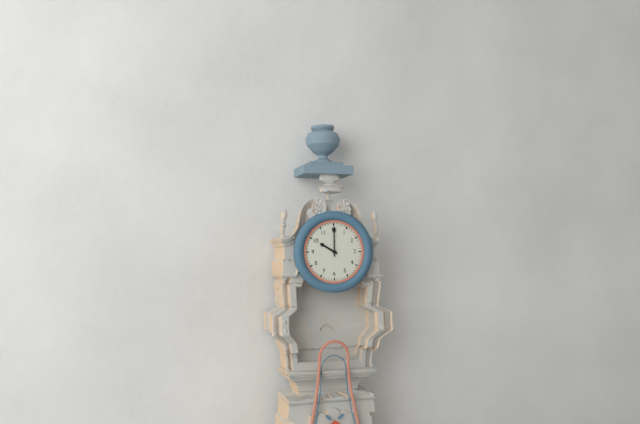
10:00
